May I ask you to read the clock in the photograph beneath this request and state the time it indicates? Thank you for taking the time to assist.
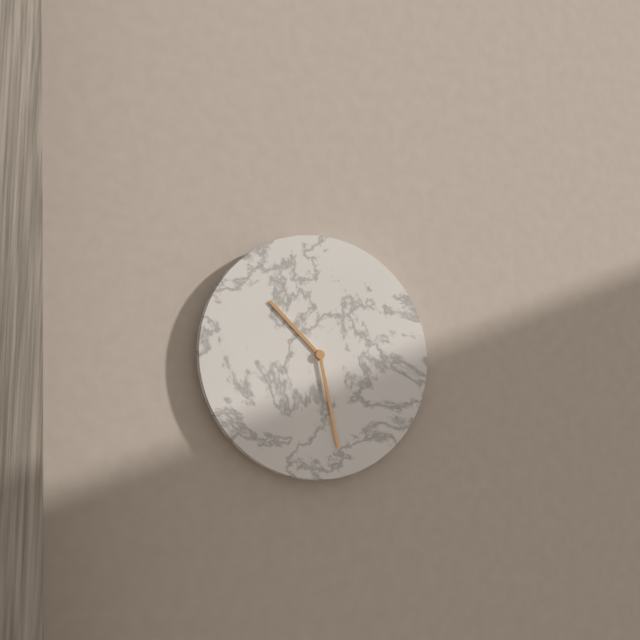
10:28
